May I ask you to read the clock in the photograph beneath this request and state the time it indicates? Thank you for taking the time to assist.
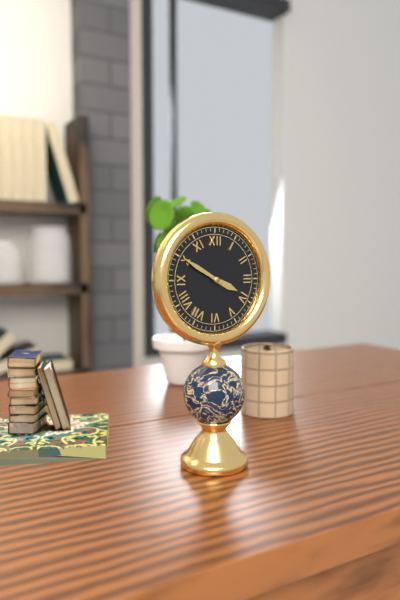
3:50
